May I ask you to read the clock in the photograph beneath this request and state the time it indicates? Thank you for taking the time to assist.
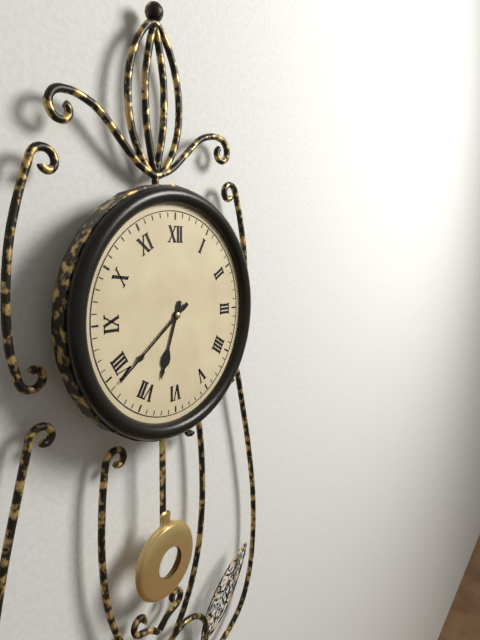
6:39
